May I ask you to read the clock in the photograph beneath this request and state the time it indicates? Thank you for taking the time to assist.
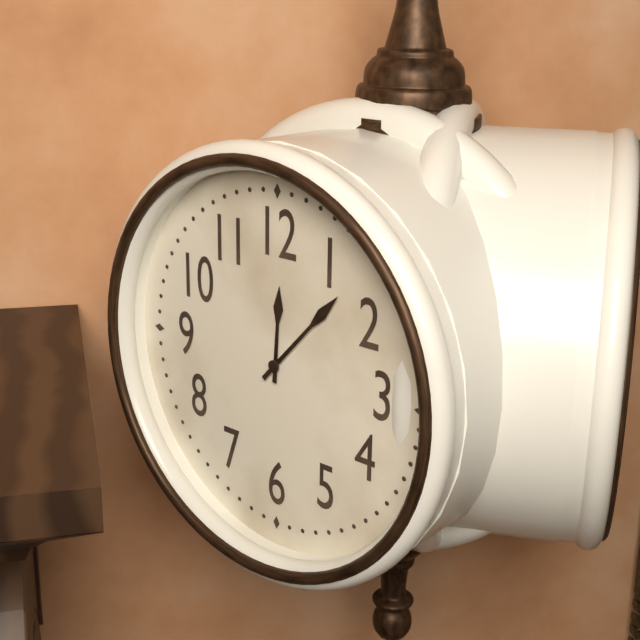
12:07
